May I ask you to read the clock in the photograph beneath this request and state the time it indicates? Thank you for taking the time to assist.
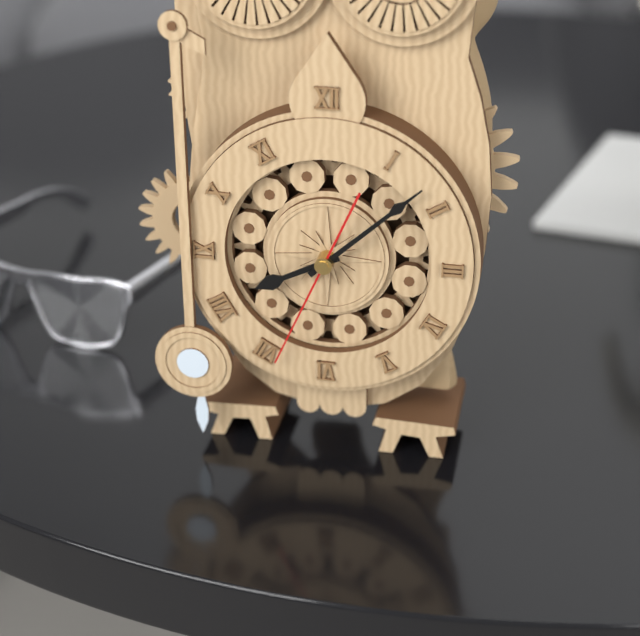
8:08:34
